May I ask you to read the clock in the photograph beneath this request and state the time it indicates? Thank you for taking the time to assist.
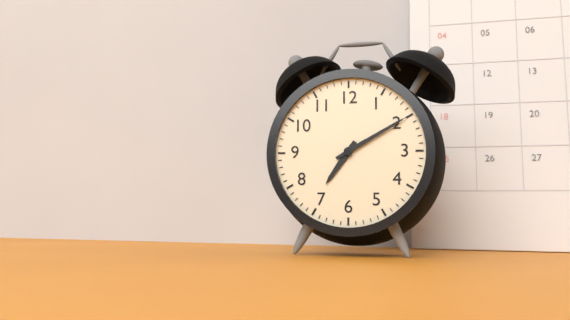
7:10
